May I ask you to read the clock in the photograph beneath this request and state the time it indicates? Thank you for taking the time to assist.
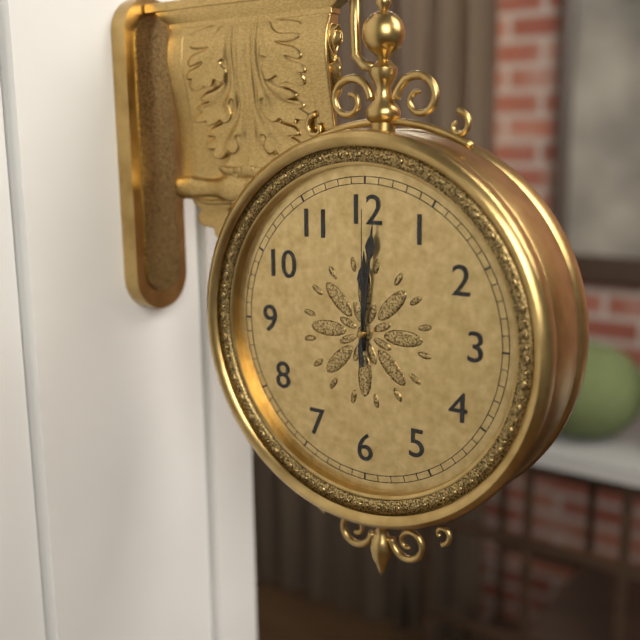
12:01:00
